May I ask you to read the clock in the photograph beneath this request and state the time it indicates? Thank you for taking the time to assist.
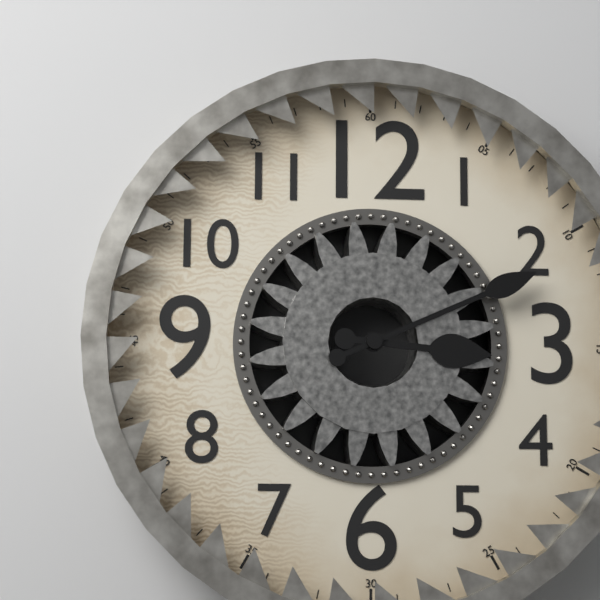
3:11
